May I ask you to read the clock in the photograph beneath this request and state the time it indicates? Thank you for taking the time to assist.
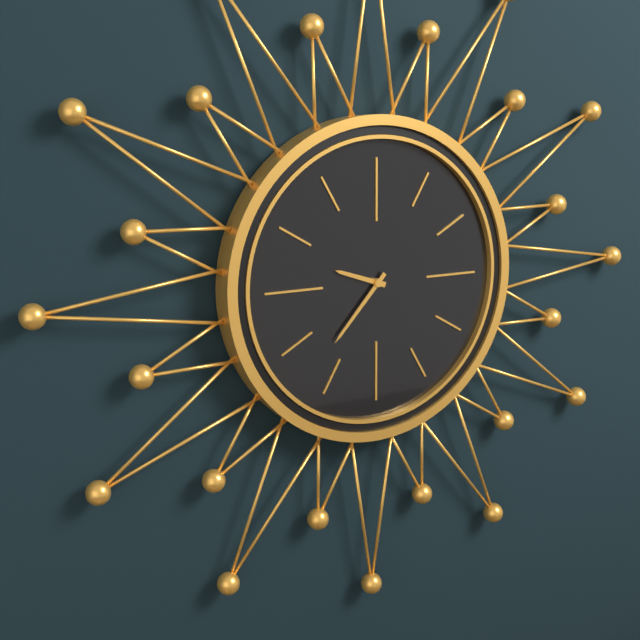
9:37
